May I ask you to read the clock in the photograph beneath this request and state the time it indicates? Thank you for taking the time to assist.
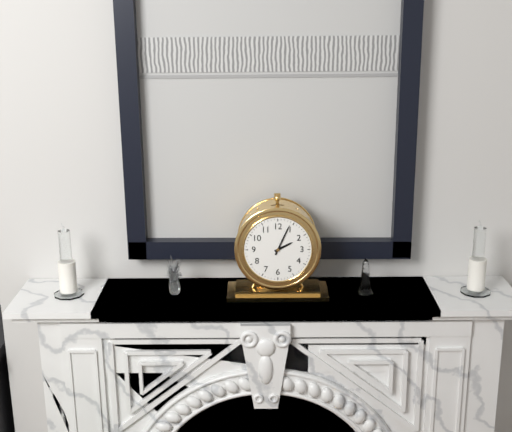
2:04
